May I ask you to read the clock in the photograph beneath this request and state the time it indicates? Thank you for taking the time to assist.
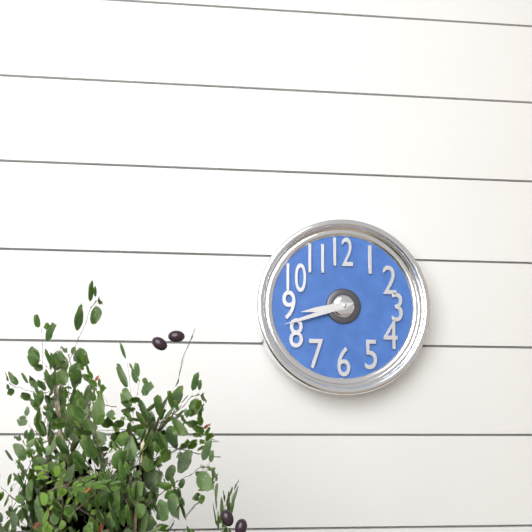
8:42
